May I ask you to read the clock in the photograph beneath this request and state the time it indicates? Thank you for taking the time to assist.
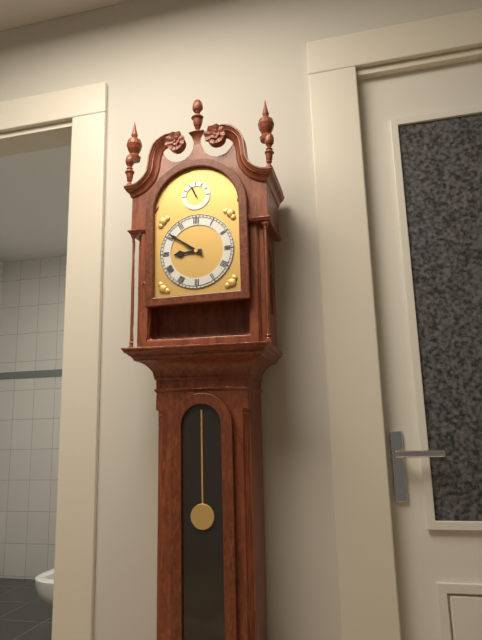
8:51
